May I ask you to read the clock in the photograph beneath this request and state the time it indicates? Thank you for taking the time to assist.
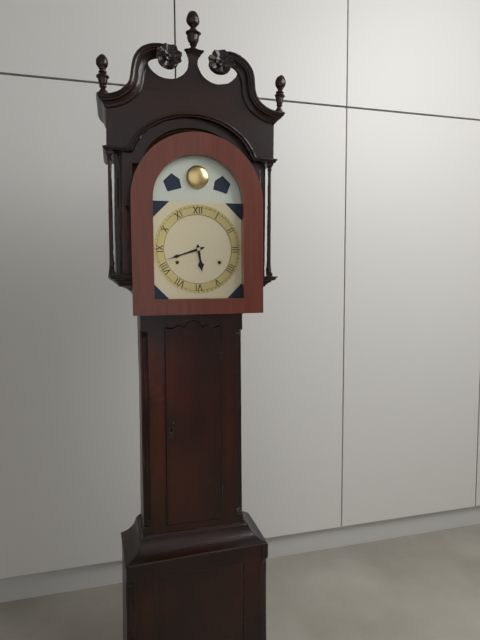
5:42
